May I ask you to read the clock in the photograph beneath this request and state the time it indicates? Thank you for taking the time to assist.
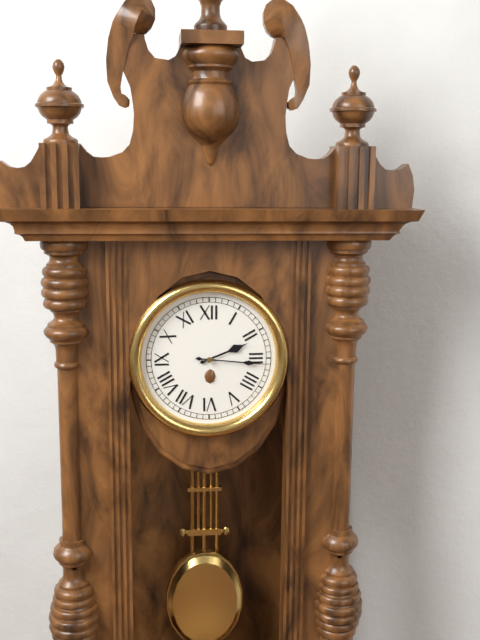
2:16
